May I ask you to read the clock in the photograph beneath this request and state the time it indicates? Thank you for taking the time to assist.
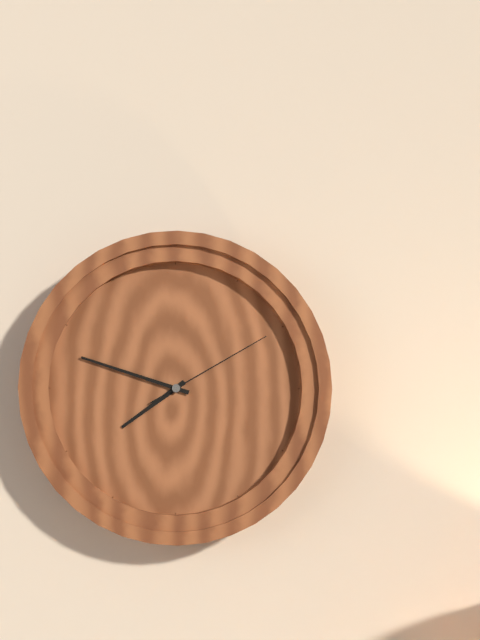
7:48:10
